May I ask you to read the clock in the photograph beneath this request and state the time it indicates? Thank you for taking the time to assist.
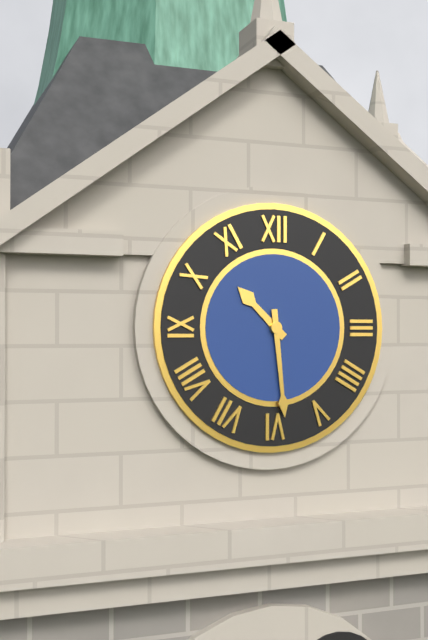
10:29
